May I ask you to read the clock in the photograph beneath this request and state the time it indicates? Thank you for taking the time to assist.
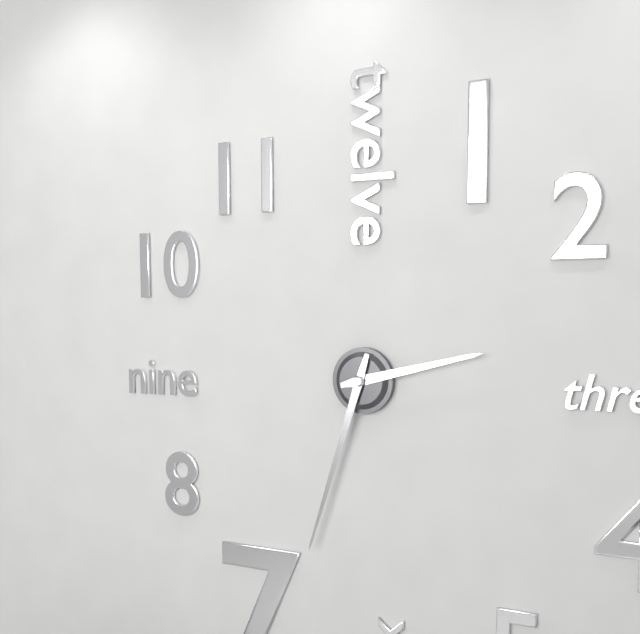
2:33
